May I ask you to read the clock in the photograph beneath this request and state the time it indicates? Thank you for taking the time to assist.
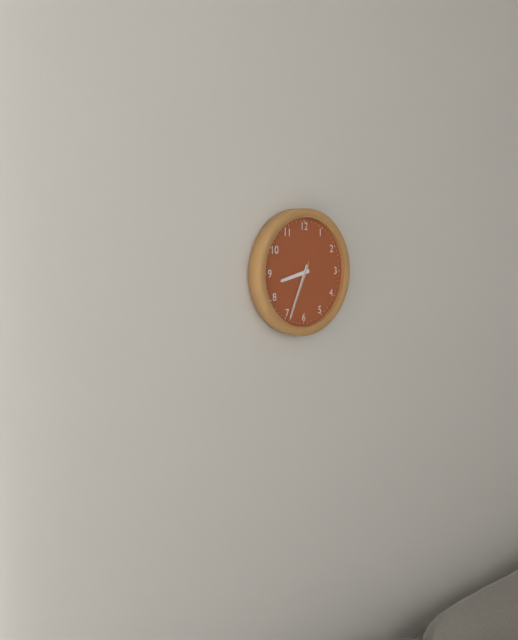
8:34:34
